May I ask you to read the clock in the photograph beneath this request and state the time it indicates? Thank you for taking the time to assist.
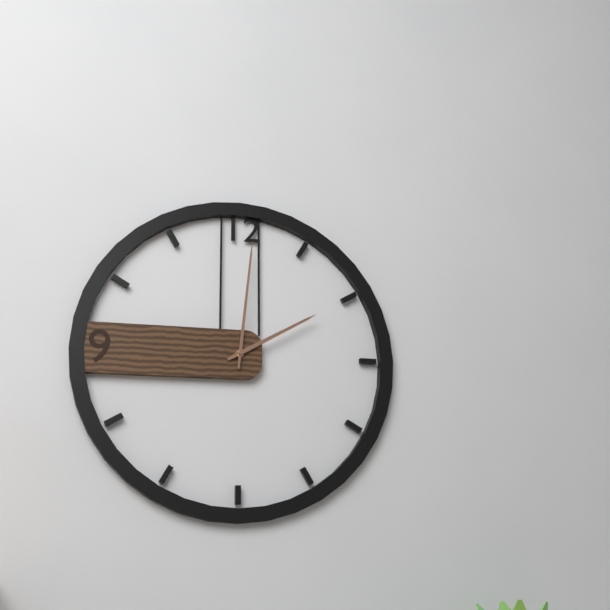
2:01
